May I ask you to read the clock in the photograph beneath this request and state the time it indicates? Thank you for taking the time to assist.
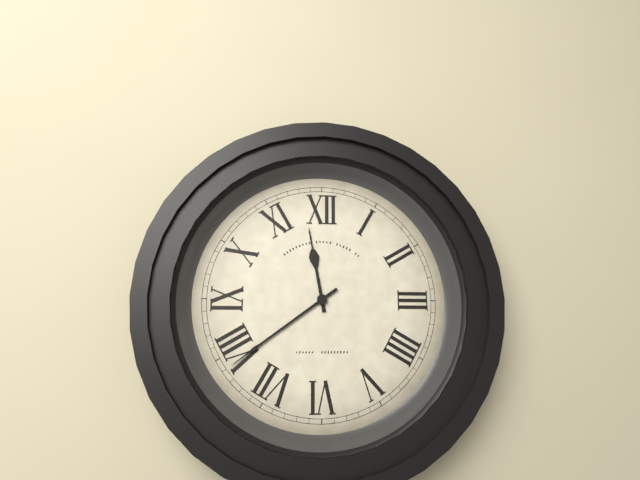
11:39
